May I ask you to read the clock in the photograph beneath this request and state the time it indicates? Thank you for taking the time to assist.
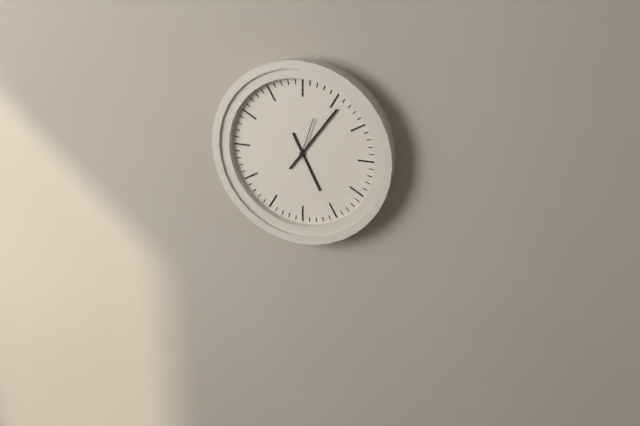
5:06
